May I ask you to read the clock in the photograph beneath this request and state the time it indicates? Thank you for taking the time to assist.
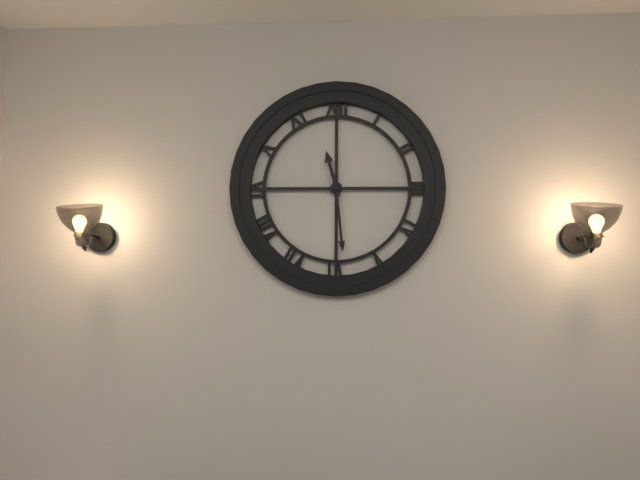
11:29
